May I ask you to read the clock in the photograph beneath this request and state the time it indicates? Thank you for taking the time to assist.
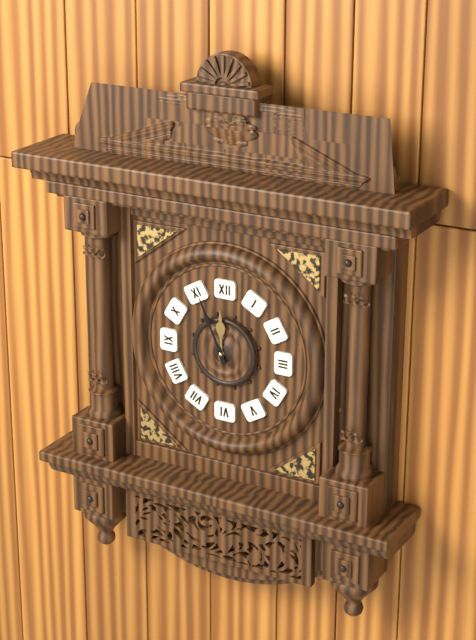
11:56
